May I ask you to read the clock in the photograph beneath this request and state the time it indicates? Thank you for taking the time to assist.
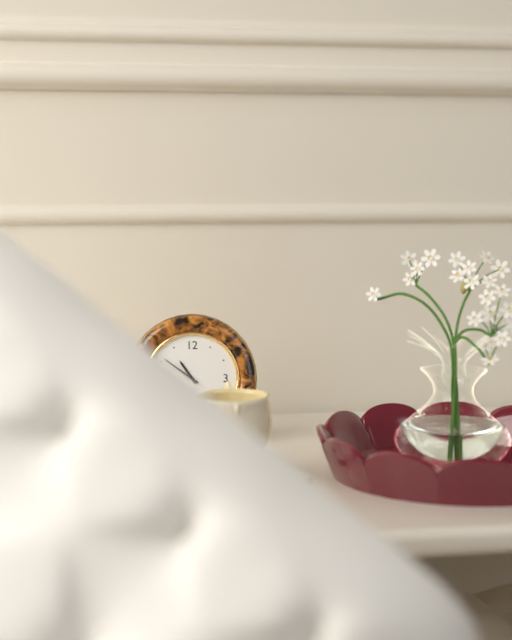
10:51
